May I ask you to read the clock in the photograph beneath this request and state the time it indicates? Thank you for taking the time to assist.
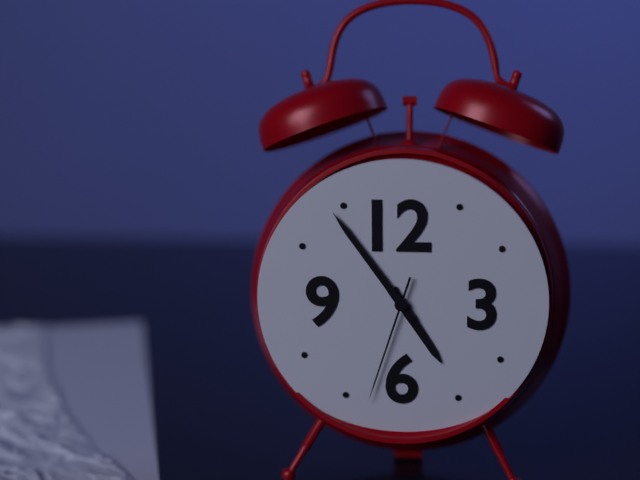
4:54:33
